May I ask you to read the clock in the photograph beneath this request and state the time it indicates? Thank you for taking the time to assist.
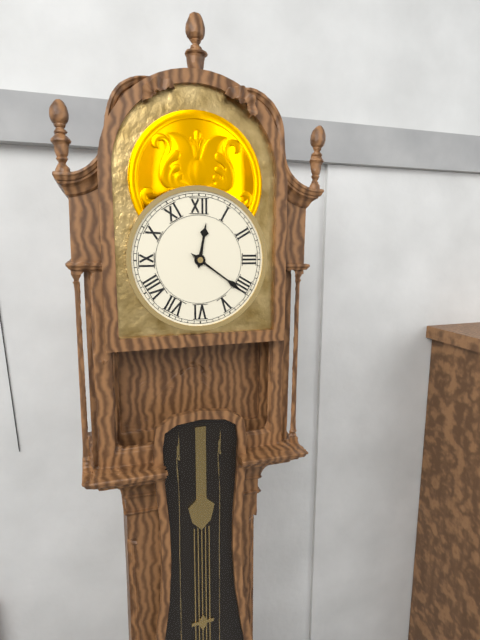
12:21
